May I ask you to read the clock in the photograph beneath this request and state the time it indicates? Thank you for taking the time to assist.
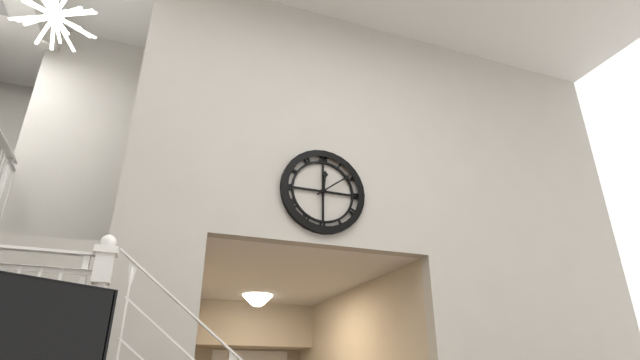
12:09
